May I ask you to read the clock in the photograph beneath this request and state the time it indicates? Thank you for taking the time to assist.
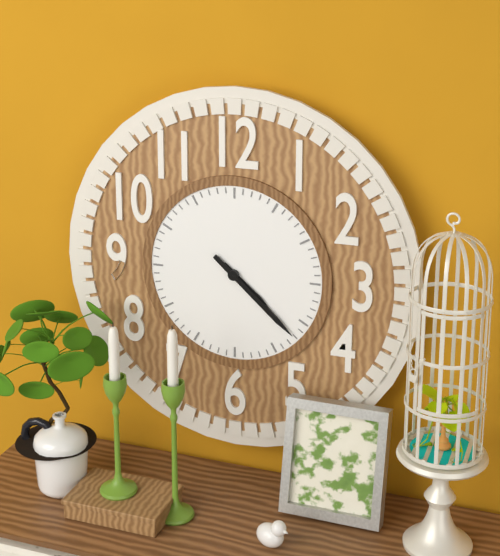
4:22
